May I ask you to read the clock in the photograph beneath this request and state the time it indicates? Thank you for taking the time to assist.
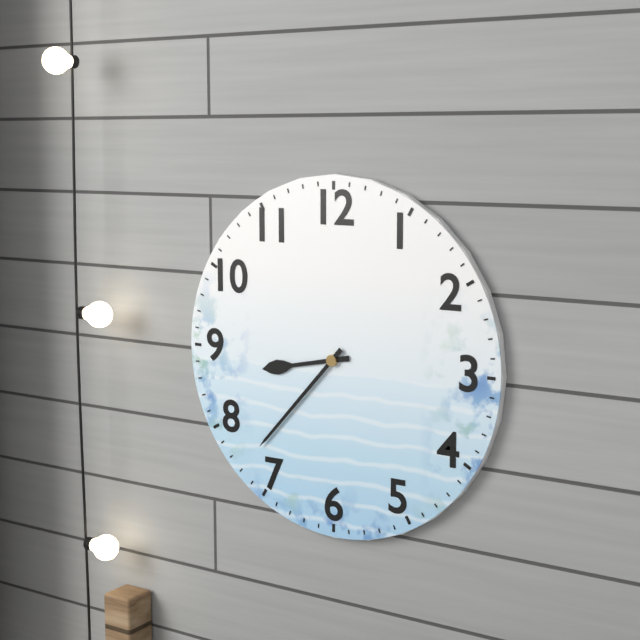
8:37
